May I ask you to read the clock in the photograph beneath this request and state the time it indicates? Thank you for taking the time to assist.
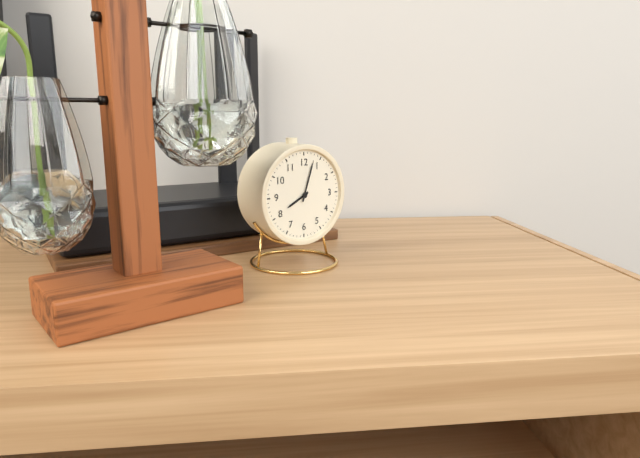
8:03
